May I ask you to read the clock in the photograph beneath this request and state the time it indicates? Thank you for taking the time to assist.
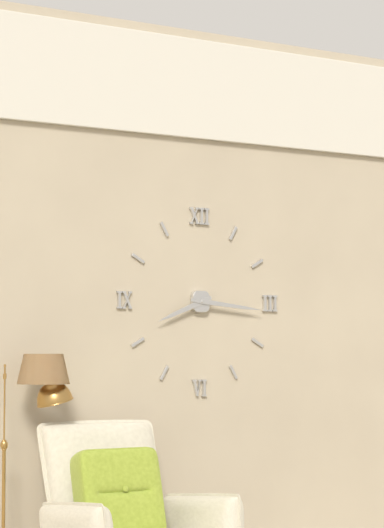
8:16
